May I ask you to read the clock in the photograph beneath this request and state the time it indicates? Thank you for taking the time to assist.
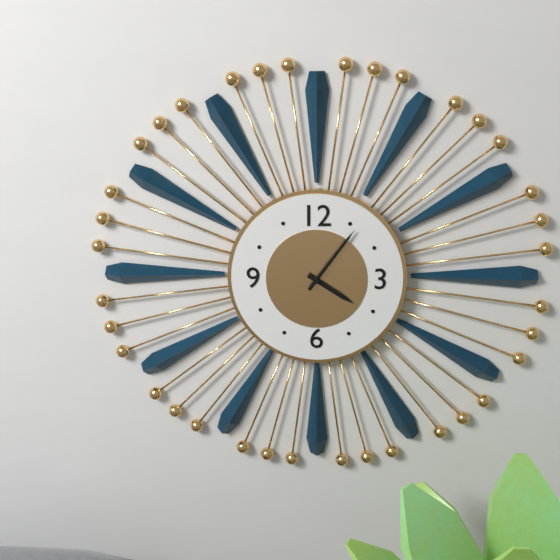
4:06
